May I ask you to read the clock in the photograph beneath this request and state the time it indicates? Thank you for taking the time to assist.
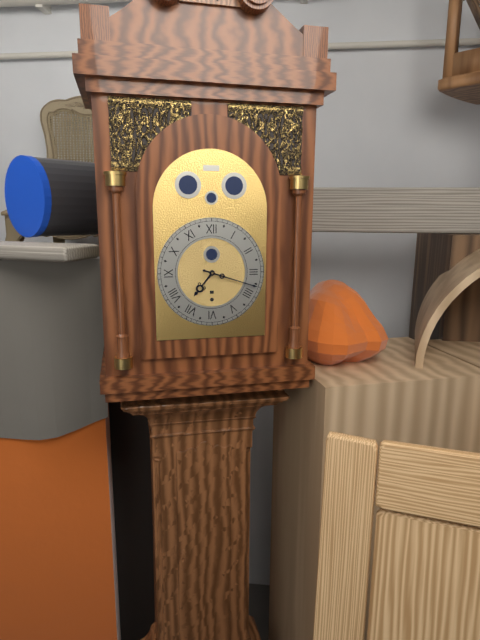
7:18
